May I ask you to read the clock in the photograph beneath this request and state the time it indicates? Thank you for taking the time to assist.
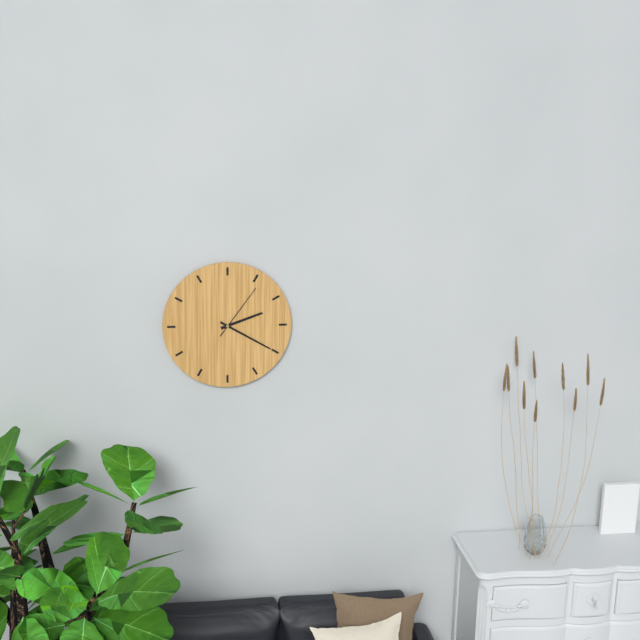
2:20:06
